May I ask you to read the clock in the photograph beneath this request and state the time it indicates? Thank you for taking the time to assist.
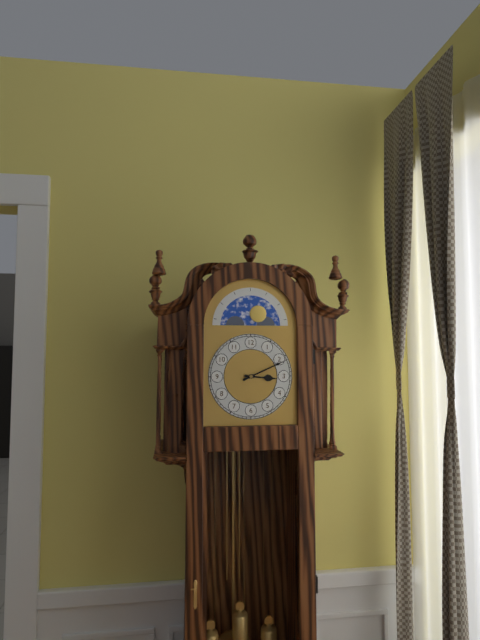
3:11
